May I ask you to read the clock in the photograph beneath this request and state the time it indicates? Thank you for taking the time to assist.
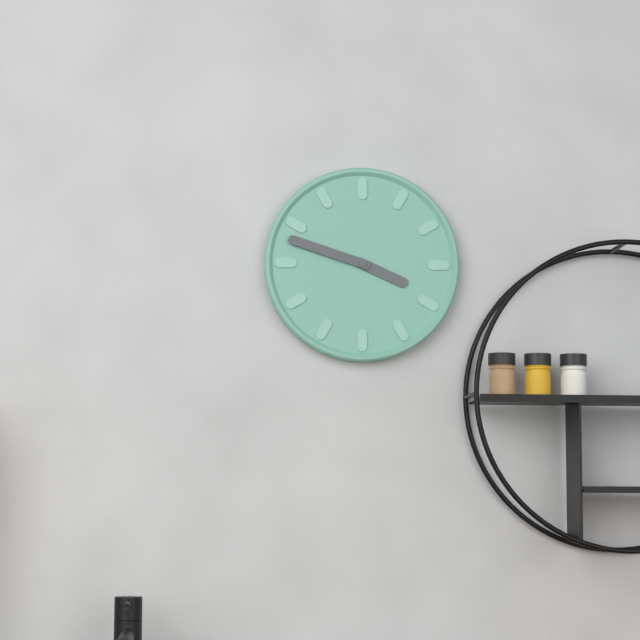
3:48
